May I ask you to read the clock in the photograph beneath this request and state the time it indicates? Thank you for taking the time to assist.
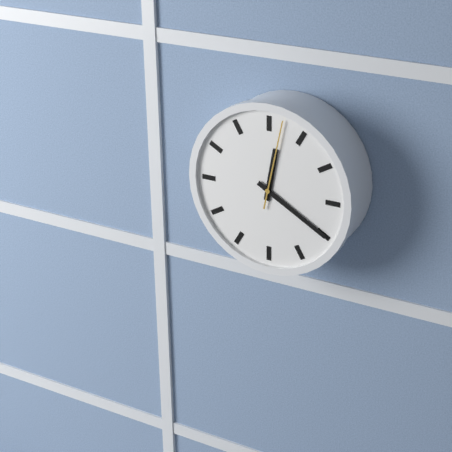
12:20:02
